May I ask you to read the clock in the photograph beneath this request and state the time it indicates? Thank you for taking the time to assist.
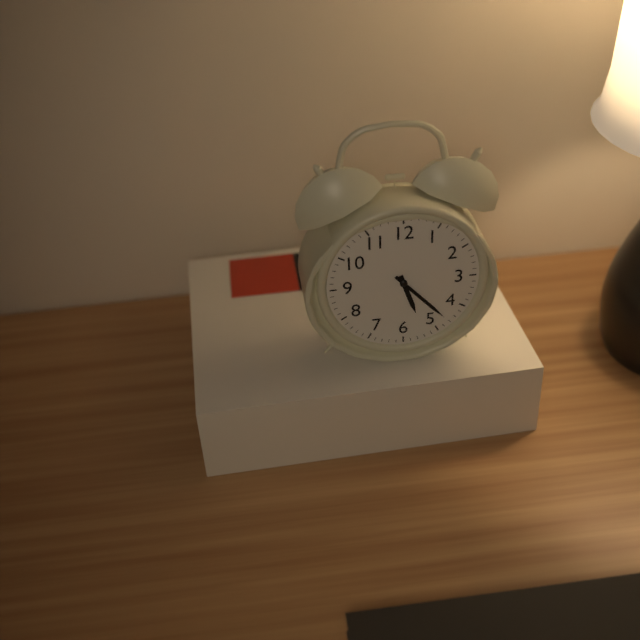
5:23
